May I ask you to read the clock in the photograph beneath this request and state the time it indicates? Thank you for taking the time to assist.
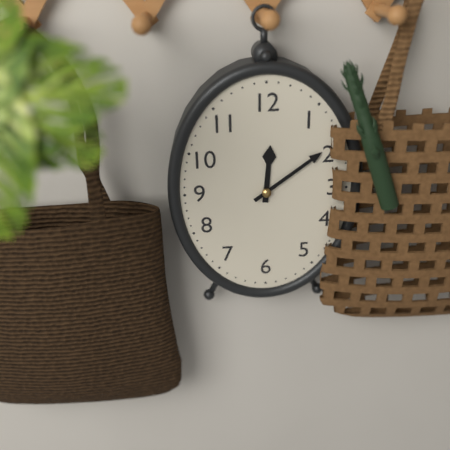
12:09
